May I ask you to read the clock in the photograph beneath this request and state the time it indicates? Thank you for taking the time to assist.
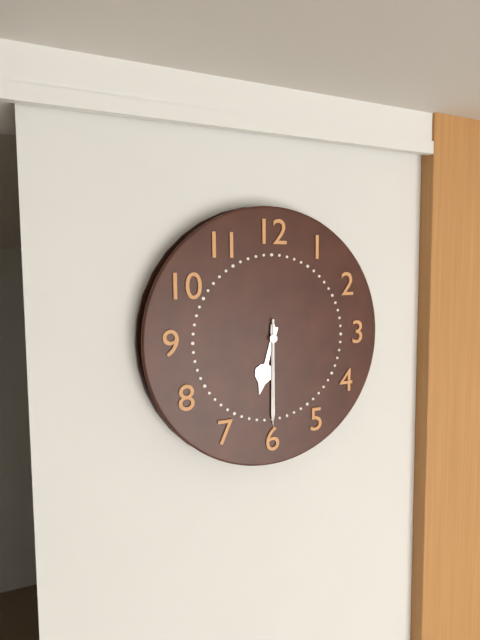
6:30:30
